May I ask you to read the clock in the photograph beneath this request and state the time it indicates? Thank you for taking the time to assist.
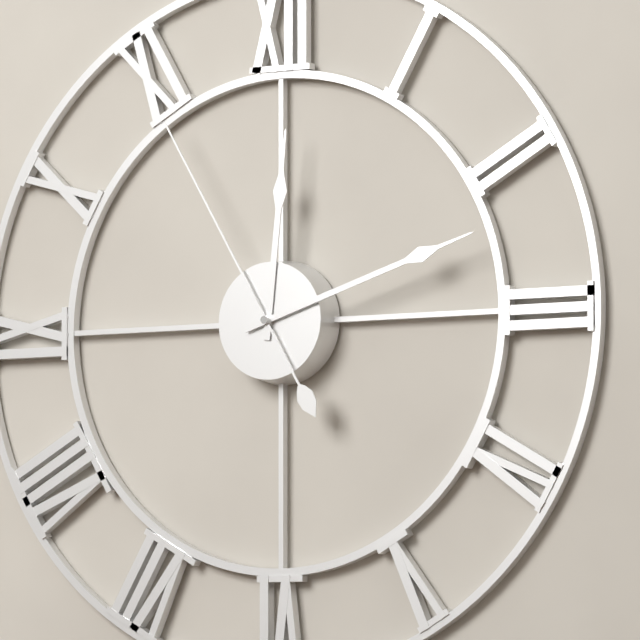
12:12:55
